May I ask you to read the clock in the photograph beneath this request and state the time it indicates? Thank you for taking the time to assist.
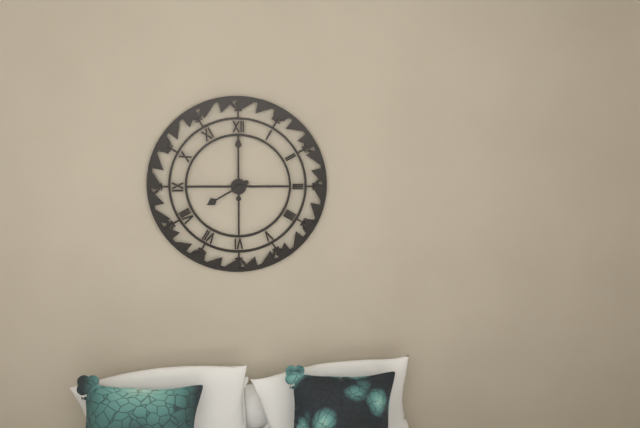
8:00
